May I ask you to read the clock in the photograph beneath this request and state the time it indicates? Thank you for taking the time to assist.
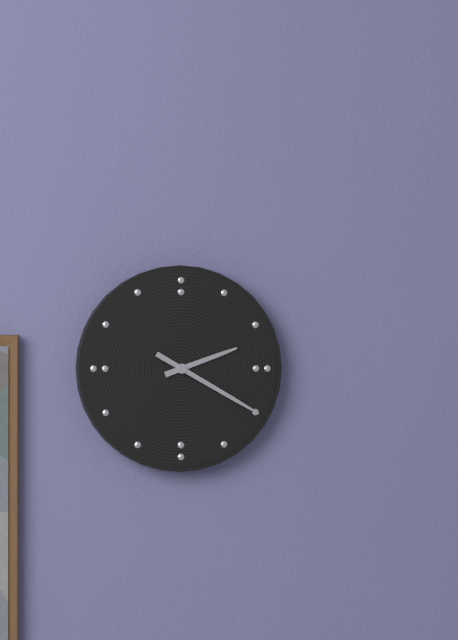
2:20
